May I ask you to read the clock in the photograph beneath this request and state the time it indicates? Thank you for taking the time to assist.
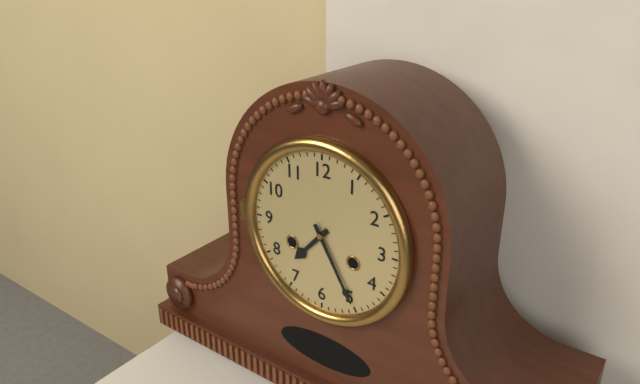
7:25
